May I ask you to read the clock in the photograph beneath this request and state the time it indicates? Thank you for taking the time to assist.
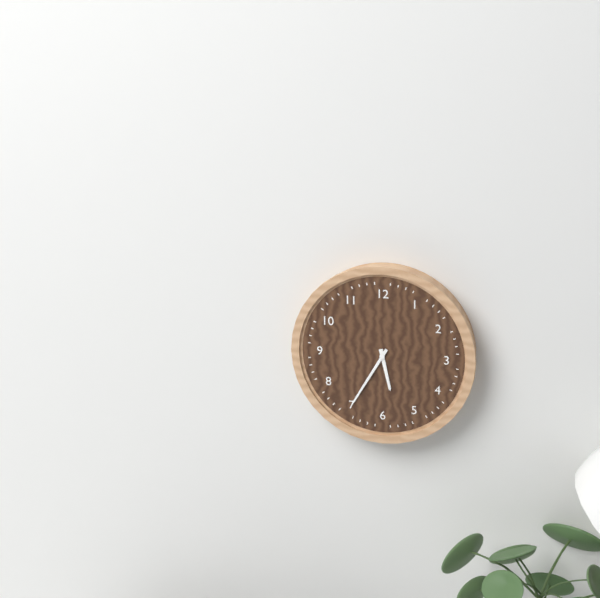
5:35
